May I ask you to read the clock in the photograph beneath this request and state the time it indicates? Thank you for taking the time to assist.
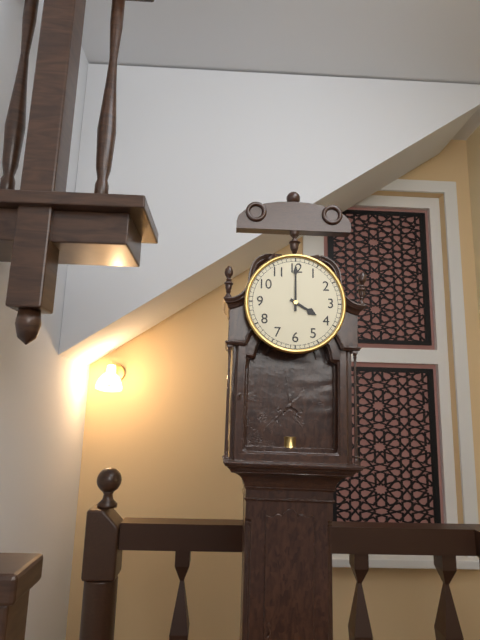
4:00
